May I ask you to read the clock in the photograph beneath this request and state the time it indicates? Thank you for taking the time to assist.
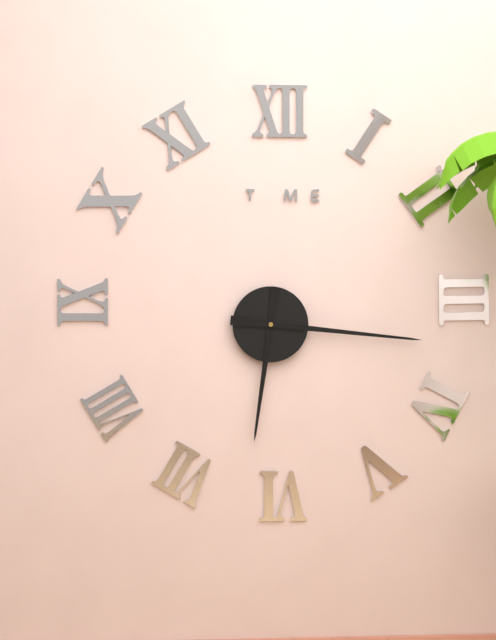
6:16
